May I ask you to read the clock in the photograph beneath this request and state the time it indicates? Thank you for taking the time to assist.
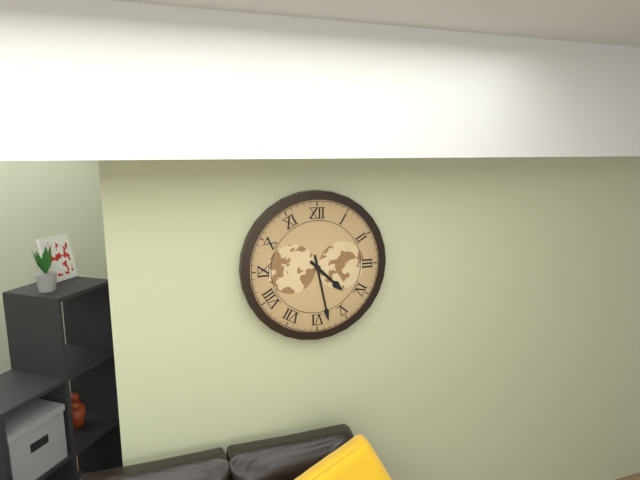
4:28
